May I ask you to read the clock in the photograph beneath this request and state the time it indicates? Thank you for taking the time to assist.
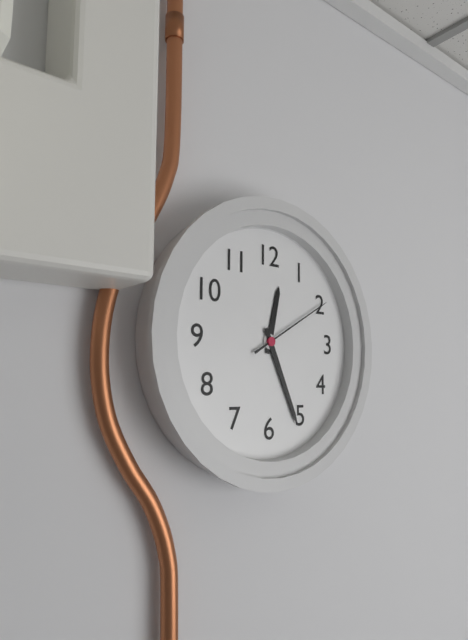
12:26:10
